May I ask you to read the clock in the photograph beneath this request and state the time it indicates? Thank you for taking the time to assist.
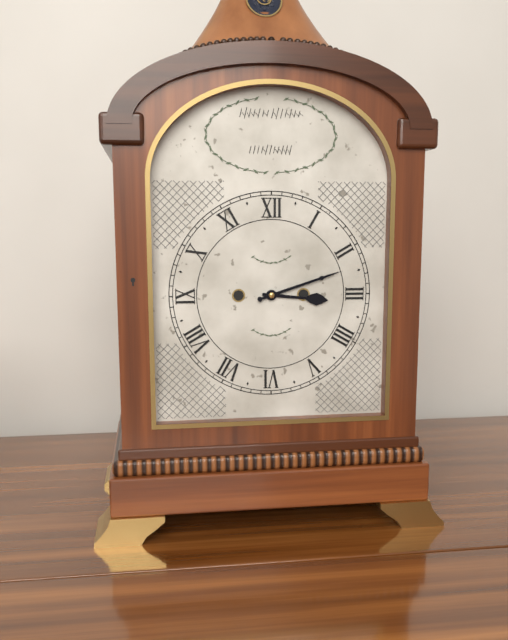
3:12
